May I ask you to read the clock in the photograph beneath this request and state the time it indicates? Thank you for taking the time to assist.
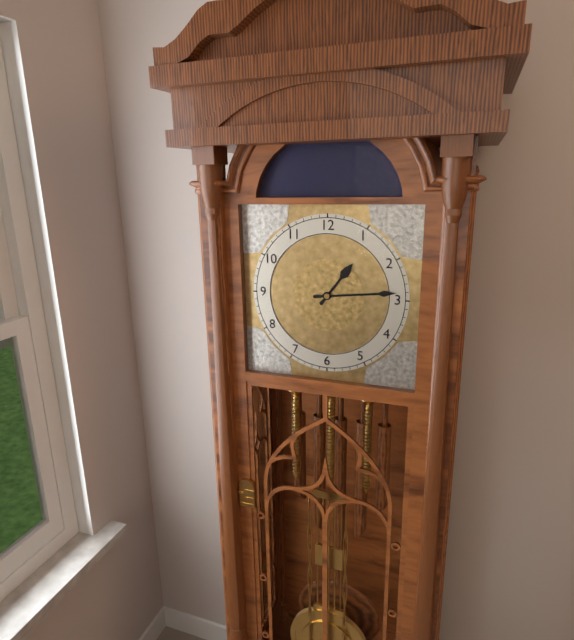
1:14
